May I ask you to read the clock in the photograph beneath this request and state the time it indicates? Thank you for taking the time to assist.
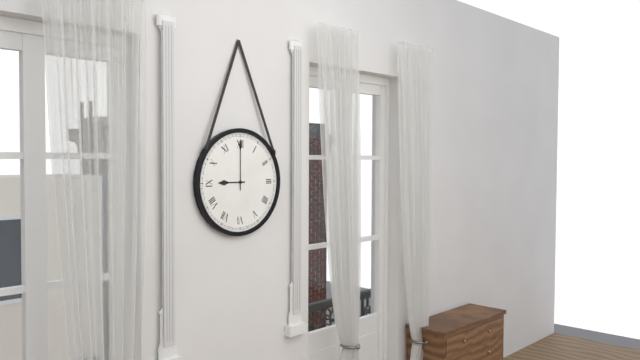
9:00
